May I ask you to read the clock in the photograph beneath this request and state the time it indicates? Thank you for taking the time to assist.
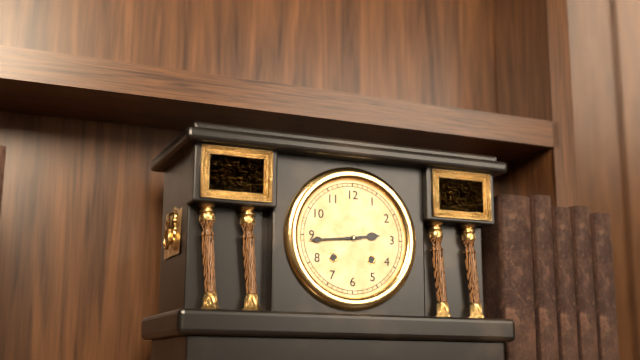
2:44
